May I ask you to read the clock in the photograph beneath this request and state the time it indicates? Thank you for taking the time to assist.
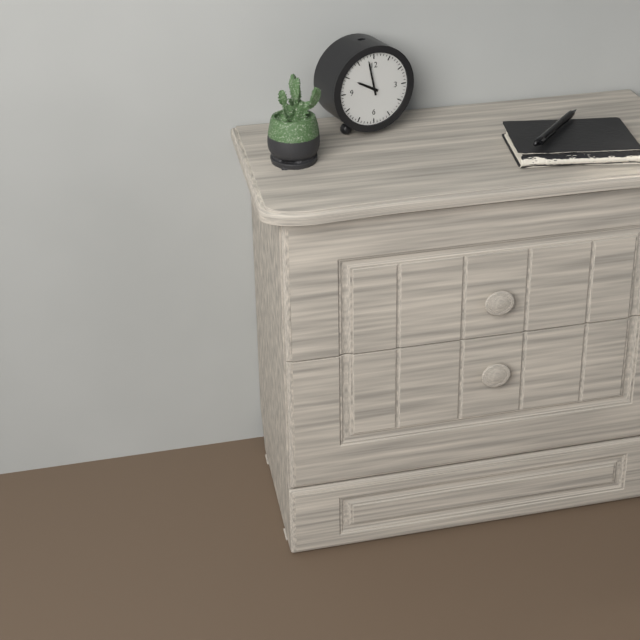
9:58
